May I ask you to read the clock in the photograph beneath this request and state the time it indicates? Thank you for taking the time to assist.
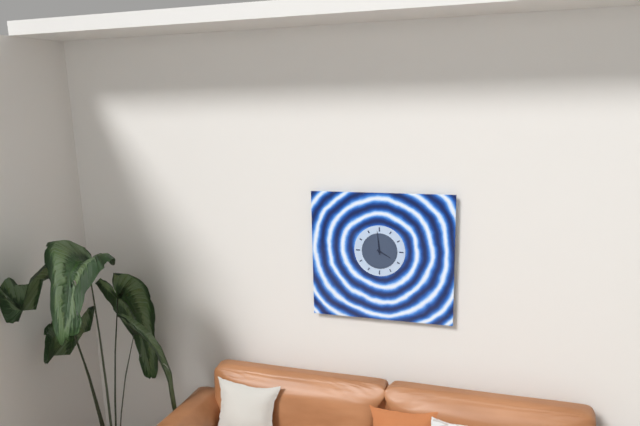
3:59
